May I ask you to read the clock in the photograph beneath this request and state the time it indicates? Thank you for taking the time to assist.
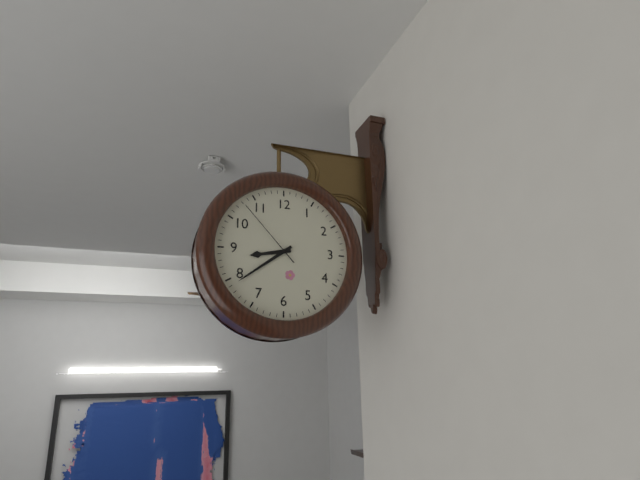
8:39:53
